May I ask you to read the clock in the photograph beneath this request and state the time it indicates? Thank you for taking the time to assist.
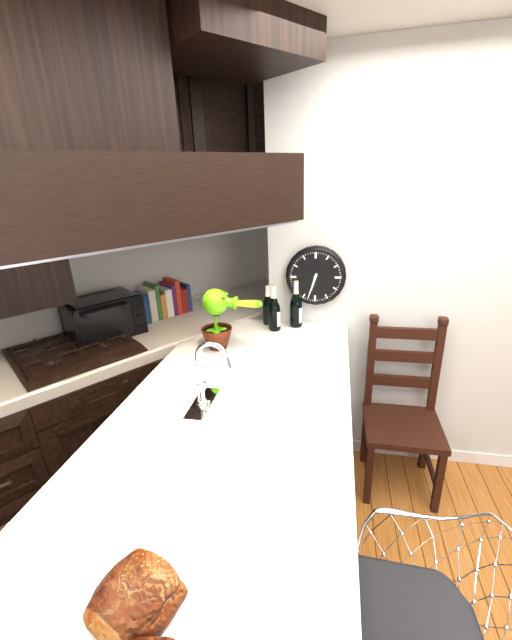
6:33
